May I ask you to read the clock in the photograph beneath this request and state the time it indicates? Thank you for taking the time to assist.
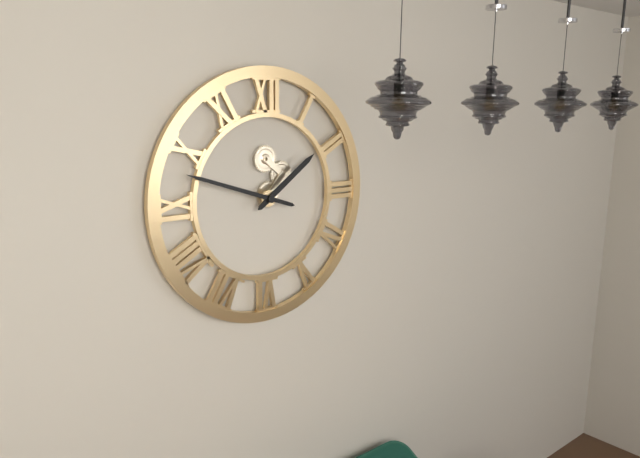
1:48
